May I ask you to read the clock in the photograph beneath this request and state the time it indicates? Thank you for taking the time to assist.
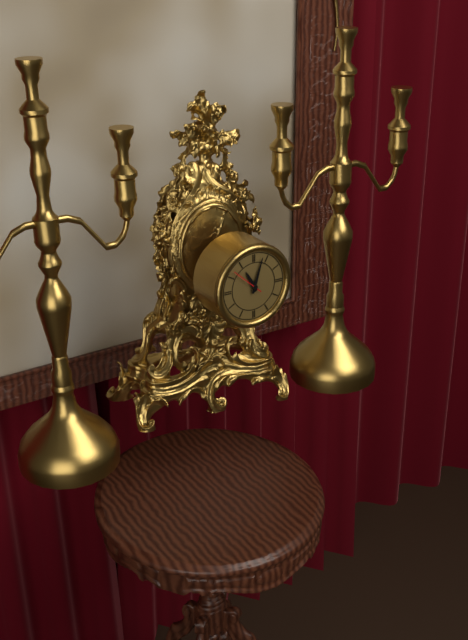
11:03
